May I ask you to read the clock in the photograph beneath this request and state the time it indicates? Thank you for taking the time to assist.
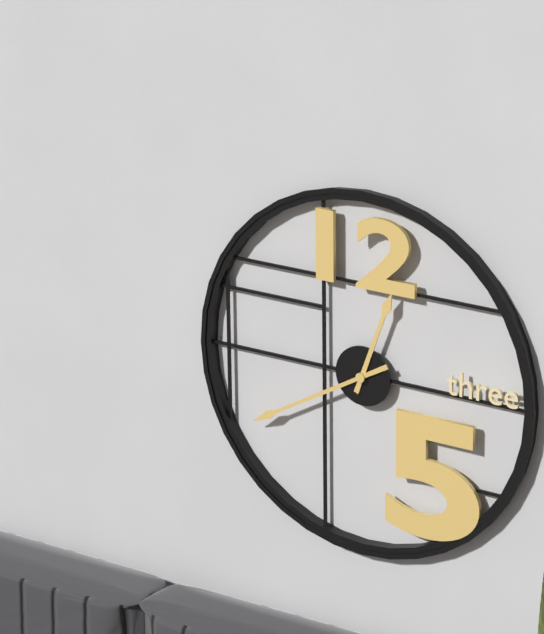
12:40
